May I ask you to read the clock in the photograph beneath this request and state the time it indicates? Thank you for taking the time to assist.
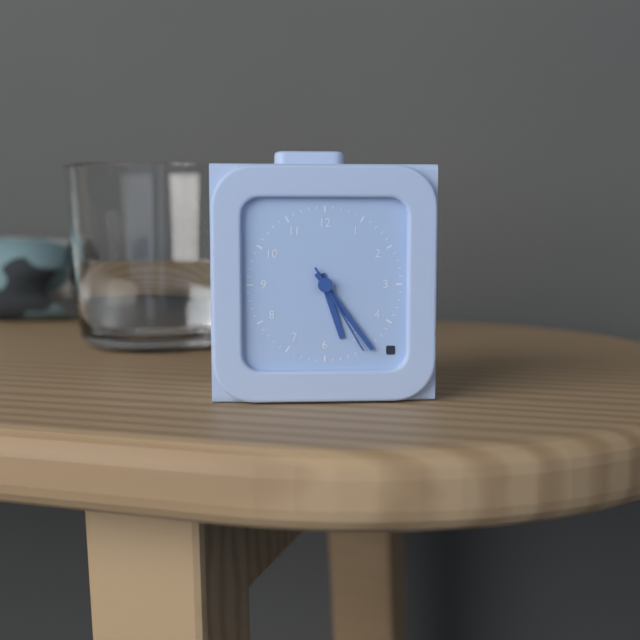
5:24:25
